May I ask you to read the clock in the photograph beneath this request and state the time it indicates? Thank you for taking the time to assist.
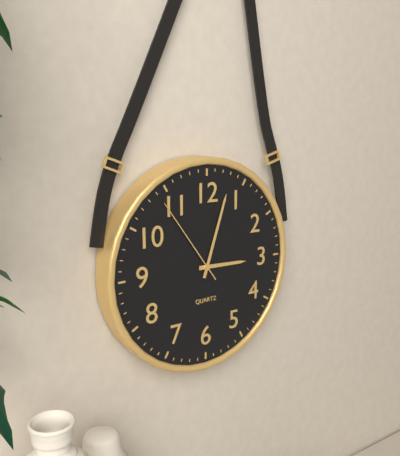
3:03:54
